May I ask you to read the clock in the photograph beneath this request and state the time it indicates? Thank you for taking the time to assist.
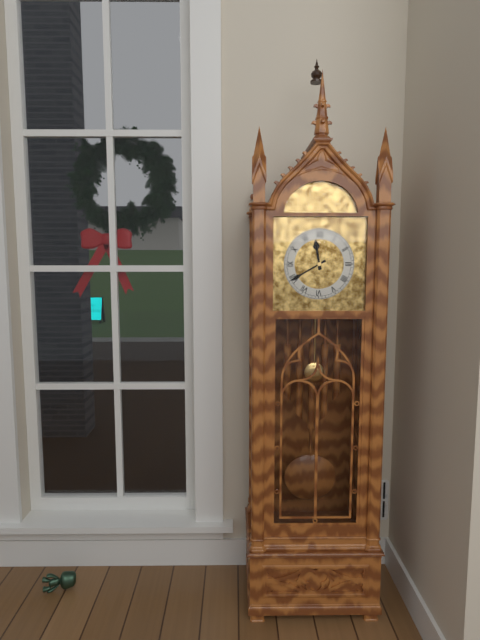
11:40
